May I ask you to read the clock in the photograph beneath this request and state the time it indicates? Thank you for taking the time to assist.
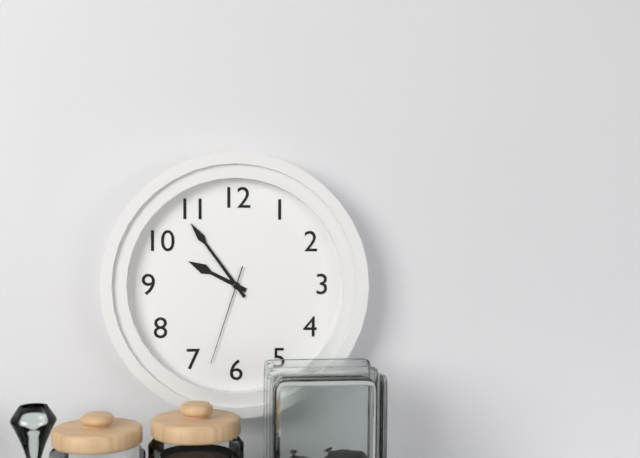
9:54:33
